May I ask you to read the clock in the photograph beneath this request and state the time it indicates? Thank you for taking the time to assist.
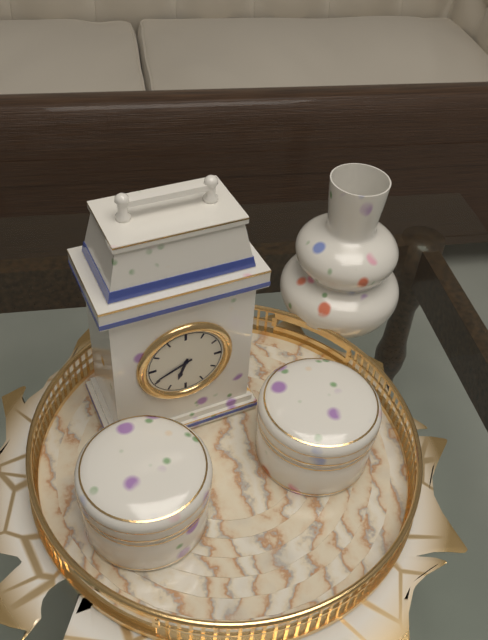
6:41
